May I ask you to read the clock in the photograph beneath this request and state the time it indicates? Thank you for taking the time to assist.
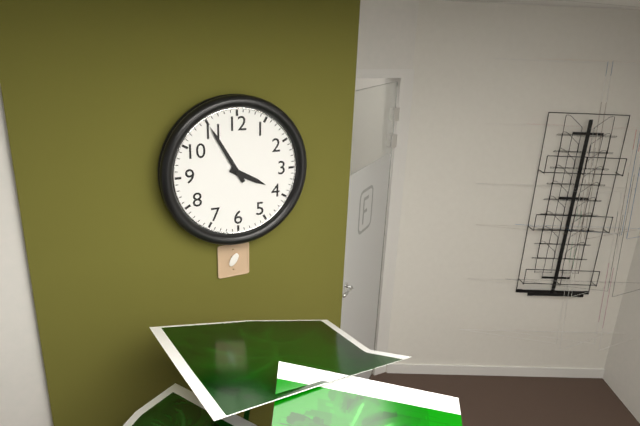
3:55
